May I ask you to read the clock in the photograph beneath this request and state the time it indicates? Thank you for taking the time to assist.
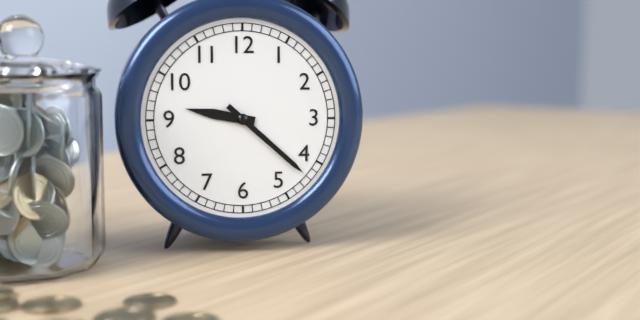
9:22
